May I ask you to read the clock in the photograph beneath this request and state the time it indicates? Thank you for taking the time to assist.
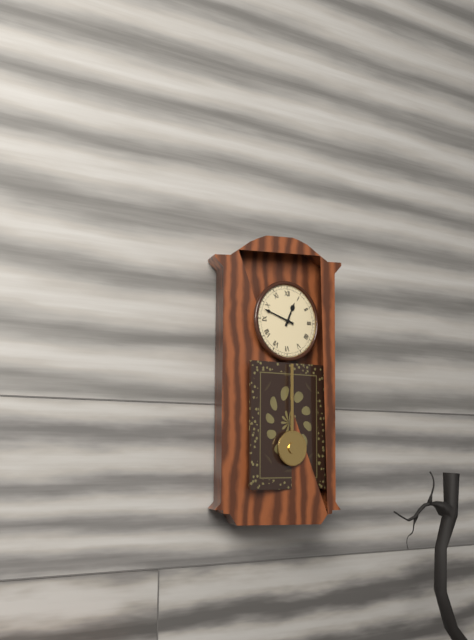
12:48
